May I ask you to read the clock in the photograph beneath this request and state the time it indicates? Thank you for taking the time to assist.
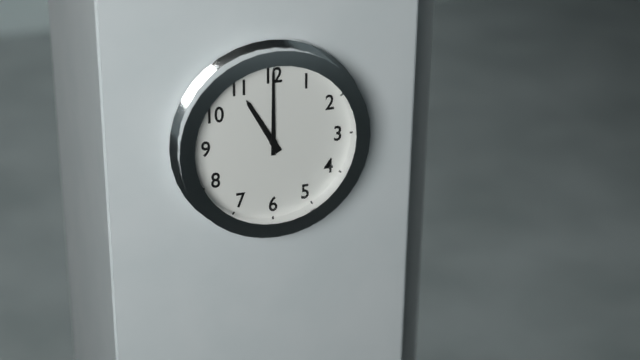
11:00
